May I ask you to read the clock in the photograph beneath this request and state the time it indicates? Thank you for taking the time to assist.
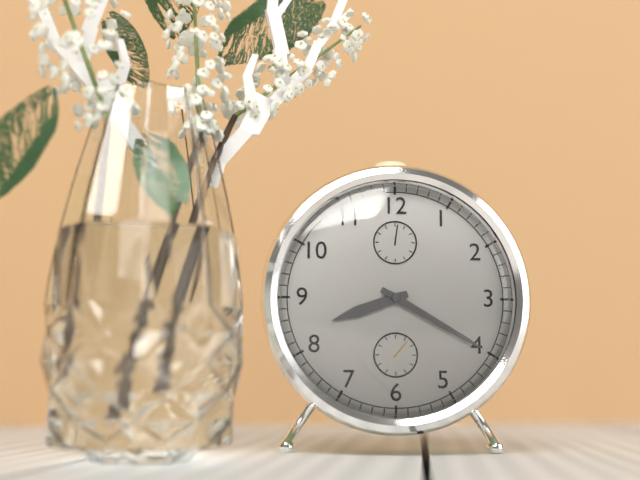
8:20
